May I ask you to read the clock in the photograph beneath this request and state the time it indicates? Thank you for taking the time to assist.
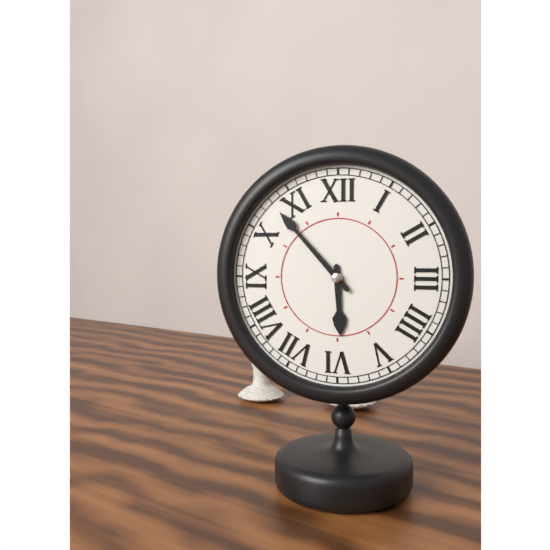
5:53
